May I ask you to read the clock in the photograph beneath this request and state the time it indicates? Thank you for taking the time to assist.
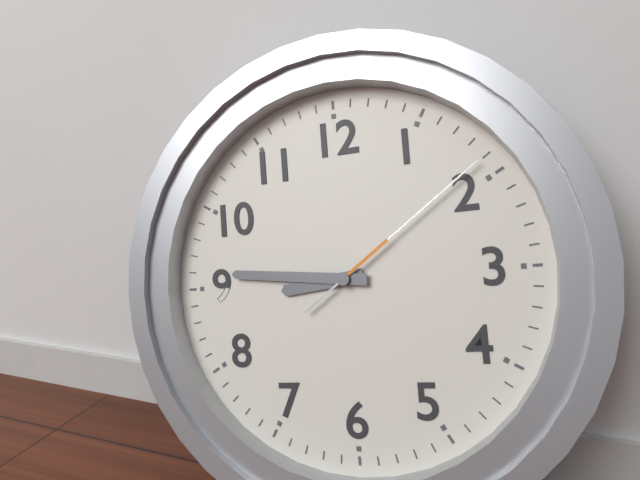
8:46:09
